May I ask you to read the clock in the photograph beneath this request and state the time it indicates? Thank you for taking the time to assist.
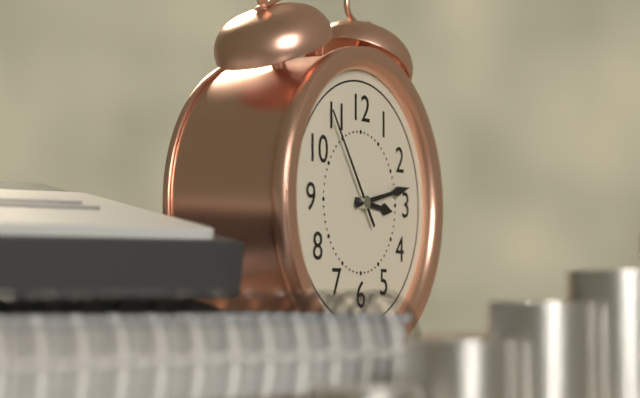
3:13:54
